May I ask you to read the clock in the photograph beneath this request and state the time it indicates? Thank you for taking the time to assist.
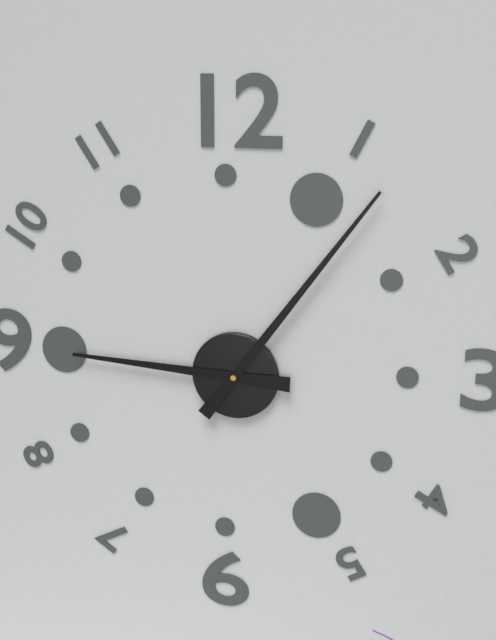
9:06
